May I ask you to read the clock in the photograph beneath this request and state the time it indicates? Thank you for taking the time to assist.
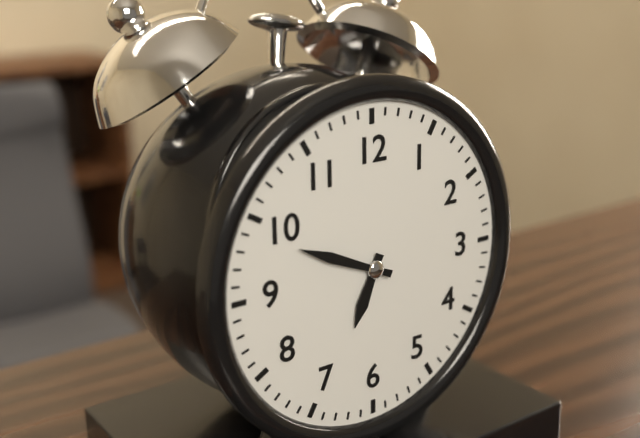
6:49
